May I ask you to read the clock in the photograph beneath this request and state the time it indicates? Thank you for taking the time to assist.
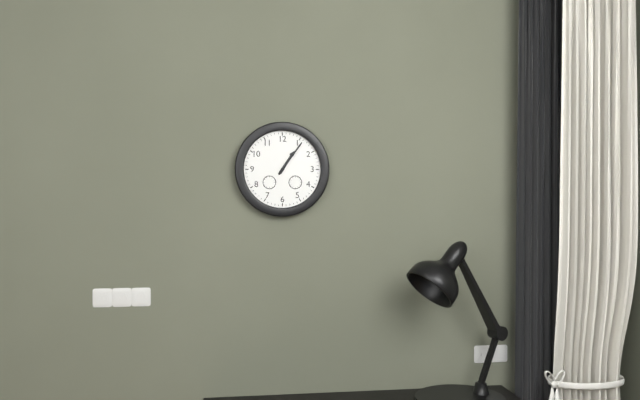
1:06
